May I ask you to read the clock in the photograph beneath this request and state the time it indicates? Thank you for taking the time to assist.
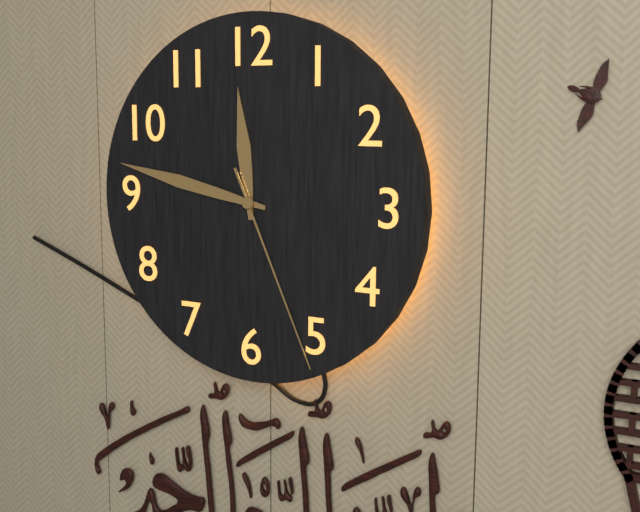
11:47:26
